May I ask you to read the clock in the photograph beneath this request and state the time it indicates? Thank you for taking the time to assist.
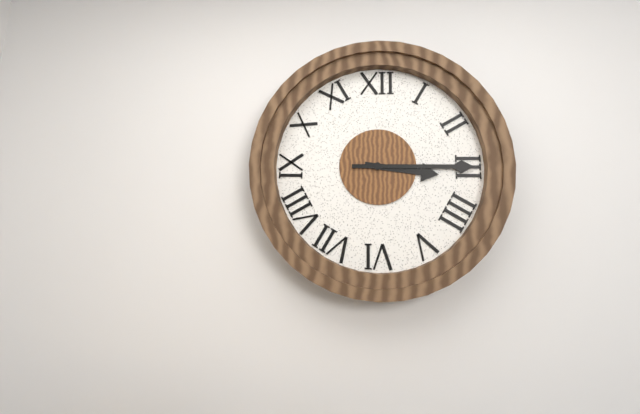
3:15
